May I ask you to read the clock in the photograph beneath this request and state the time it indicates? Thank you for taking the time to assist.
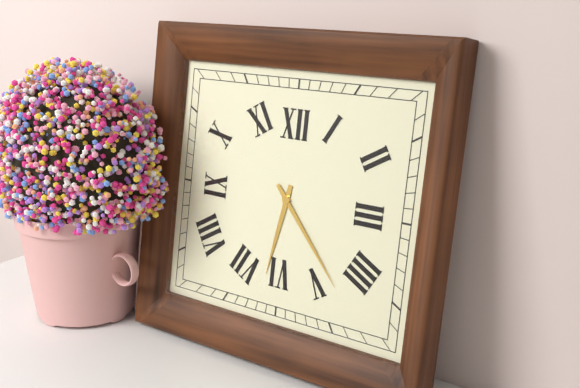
6:23
